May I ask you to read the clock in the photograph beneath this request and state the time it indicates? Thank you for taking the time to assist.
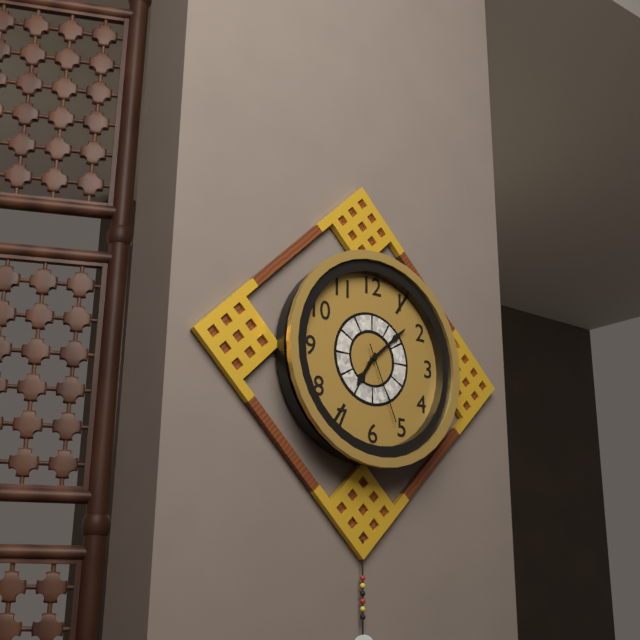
7:08:26
